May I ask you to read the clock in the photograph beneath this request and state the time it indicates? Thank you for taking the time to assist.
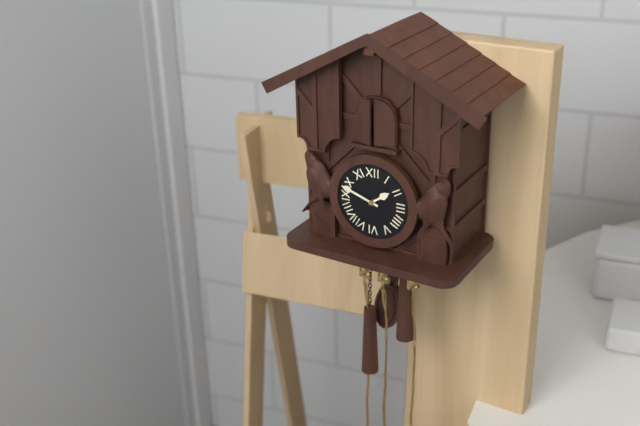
1:48
